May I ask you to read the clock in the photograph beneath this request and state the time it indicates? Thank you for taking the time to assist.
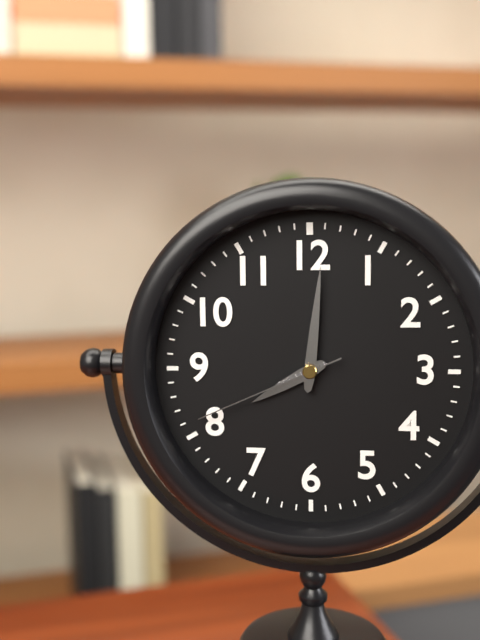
8:01:41
